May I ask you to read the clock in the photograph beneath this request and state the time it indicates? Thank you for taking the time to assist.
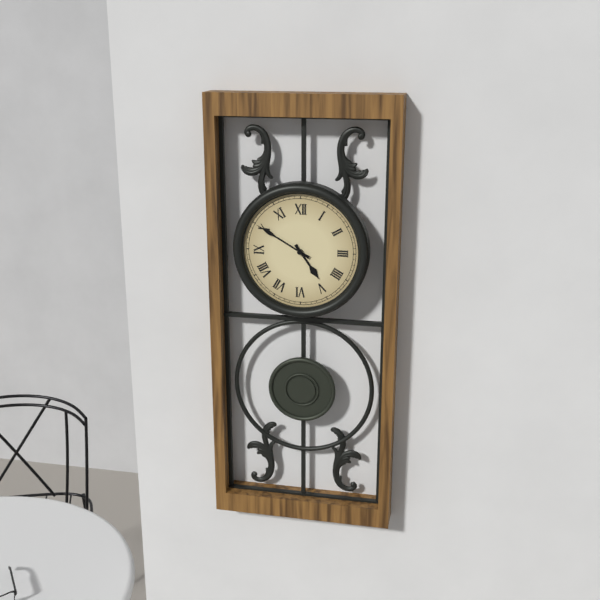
4:50
